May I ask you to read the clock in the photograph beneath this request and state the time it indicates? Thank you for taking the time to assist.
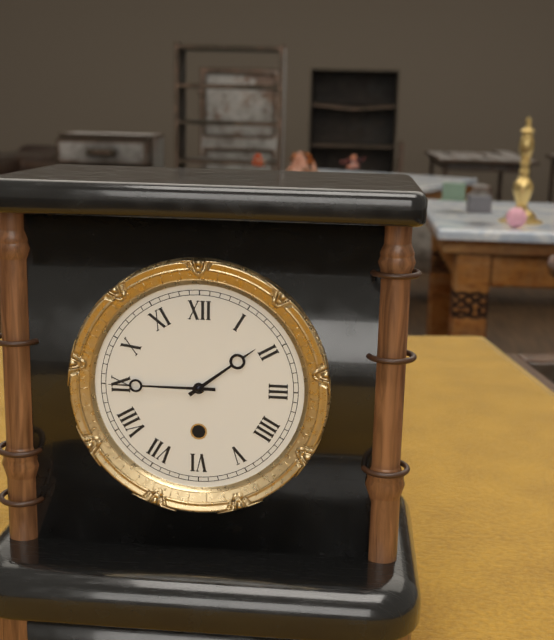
1:45
